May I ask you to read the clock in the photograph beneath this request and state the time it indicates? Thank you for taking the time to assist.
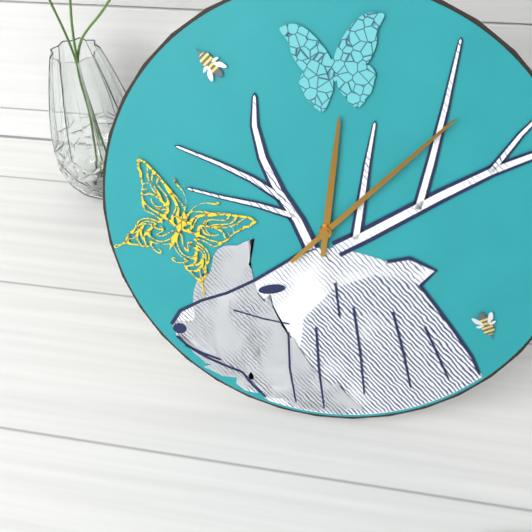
12:07
